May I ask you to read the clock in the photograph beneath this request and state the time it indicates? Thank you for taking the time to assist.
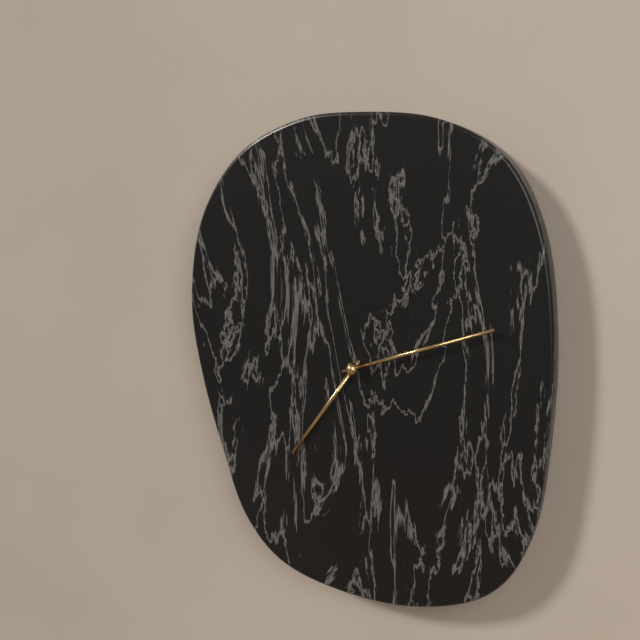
7:12
